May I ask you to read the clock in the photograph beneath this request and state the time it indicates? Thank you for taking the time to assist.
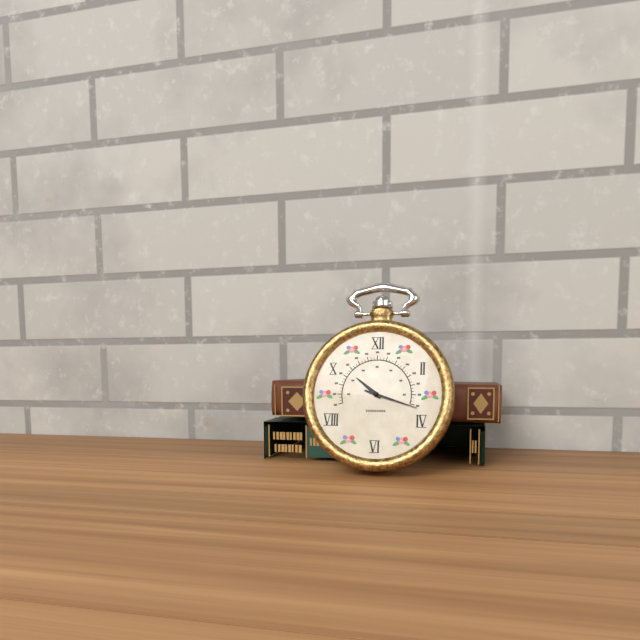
10:18
